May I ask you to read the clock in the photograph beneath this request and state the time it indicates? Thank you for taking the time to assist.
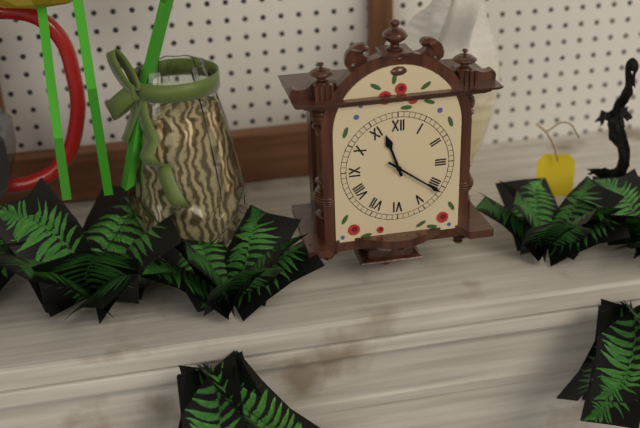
11:21
